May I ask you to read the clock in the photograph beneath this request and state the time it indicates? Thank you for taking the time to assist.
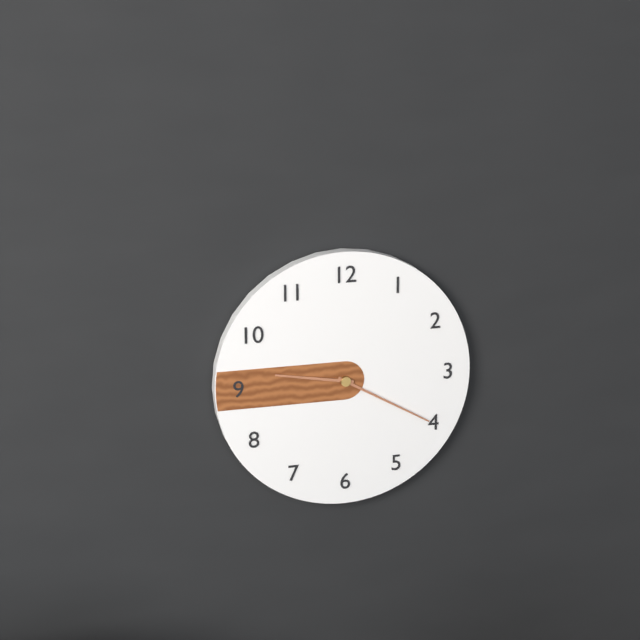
9:20
